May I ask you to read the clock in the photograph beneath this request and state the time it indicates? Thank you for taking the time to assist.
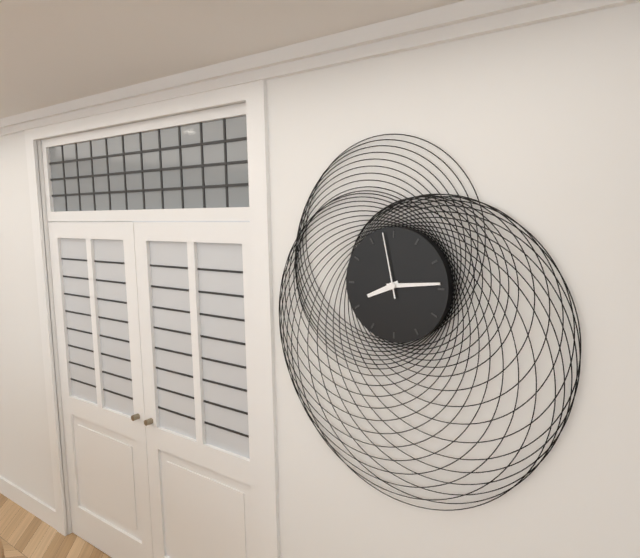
8:14:58
